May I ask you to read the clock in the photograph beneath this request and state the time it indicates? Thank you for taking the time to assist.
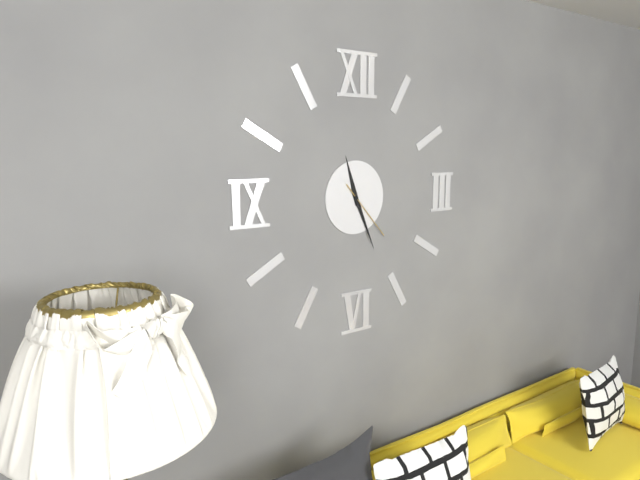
11:26:23
